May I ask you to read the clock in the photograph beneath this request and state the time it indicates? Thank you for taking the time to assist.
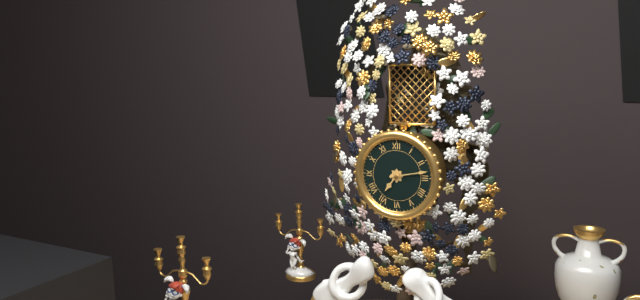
7:13
